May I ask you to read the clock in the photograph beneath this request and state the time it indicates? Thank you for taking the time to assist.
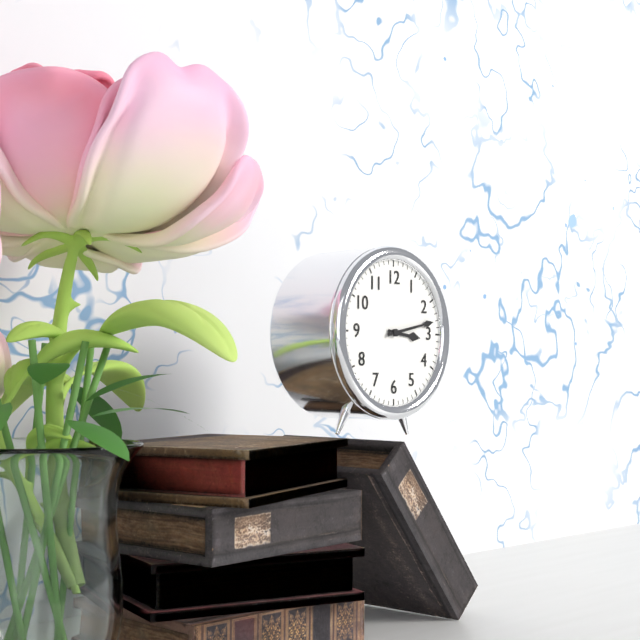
3:13
